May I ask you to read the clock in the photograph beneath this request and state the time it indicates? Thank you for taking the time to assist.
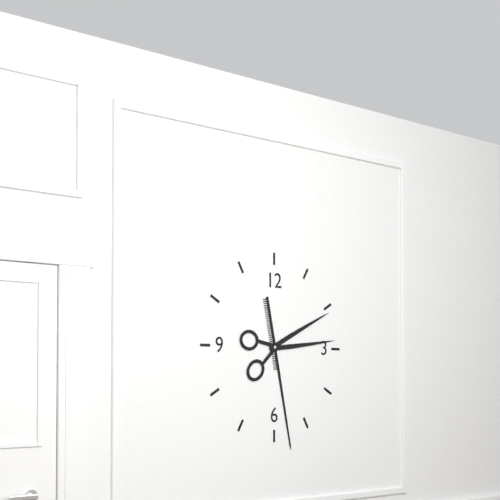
2:28
